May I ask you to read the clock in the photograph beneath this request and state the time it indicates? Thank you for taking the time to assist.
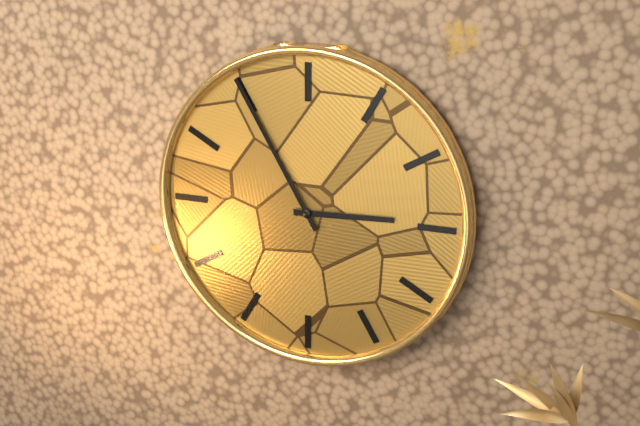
2:55
